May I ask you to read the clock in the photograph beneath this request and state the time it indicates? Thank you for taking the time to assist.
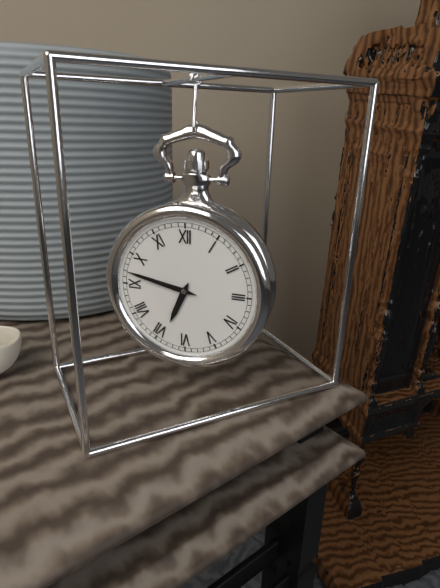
6:47
